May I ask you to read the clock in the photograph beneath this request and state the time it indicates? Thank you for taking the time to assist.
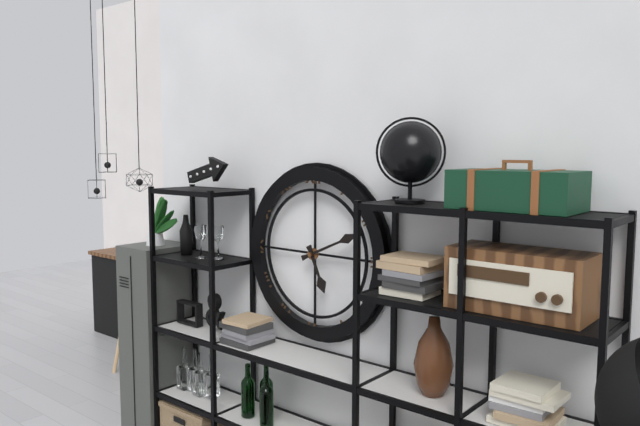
5:11
